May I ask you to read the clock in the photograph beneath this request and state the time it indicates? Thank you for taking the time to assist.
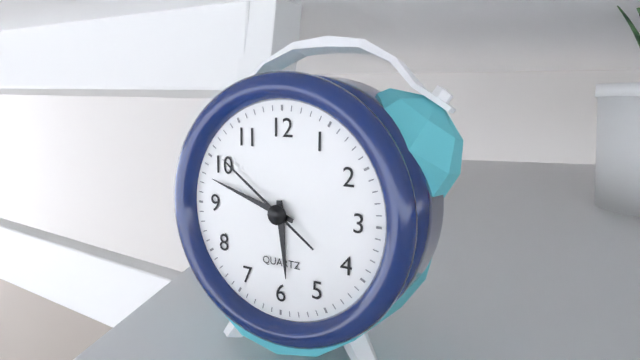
5:48:51
